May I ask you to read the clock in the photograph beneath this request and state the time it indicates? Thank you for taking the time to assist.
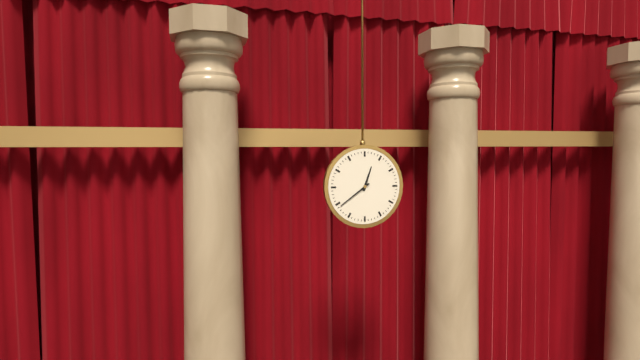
12:39
